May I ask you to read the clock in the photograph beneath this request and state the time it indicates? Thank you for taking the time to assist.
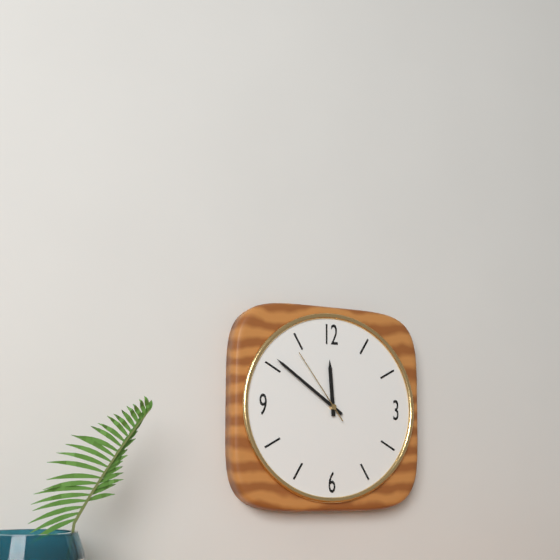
11:51:54
